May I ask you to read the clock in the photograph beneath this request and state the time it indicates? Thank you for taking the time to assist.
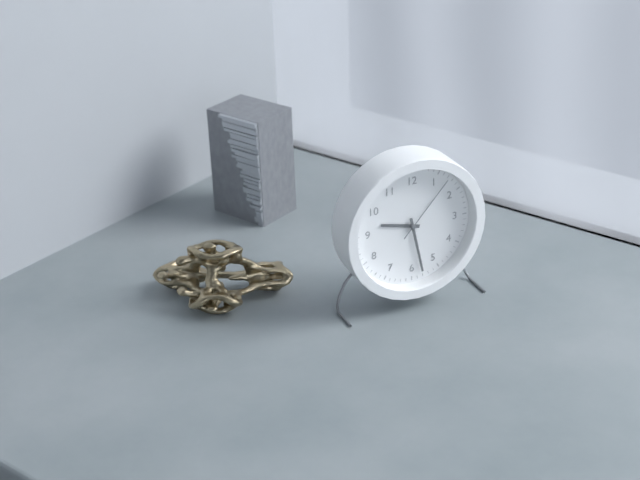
9:28:07
